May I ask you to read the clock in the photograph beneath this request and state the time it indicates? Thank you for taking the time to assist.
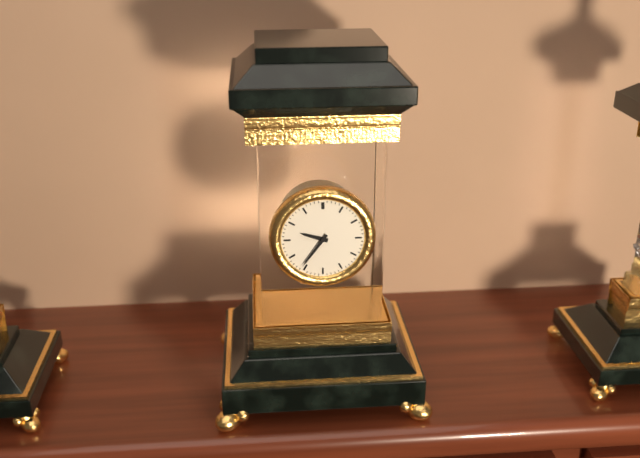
9:36
